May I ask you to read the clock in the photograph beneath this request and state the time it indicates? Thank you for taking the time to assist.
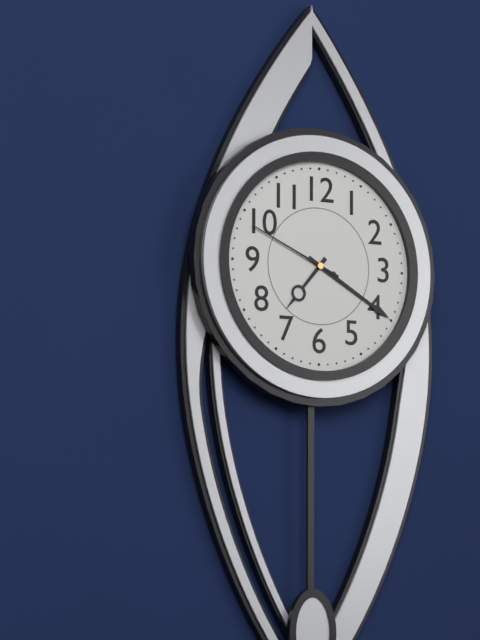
7:20:49
